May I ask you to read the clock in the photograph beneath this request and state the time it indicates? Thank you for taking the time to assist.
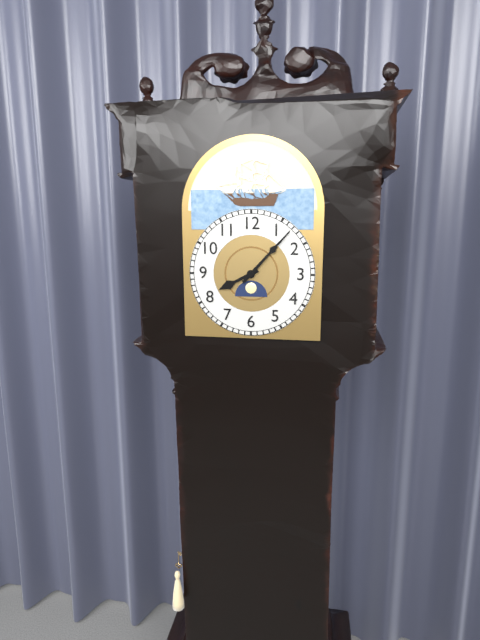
8:07
